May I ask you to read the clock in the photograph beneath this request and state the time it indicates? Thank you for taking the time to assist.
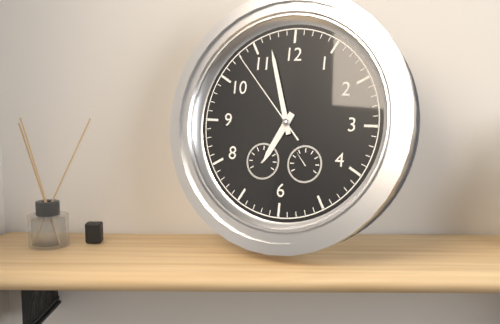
6:57:53
